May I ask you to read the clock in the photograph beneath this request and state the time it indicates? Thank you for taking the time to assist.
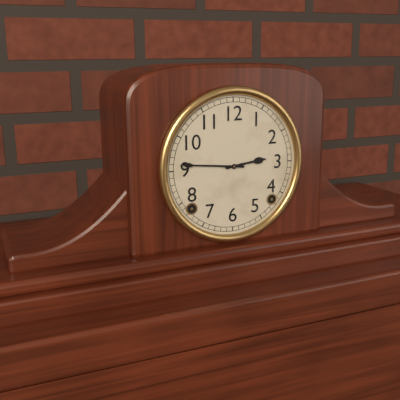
2:46
